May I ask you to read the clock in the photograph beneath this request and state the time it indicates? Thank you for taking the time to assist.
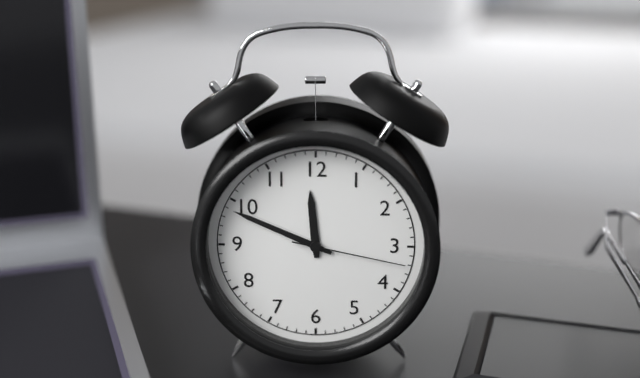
11:49:17
